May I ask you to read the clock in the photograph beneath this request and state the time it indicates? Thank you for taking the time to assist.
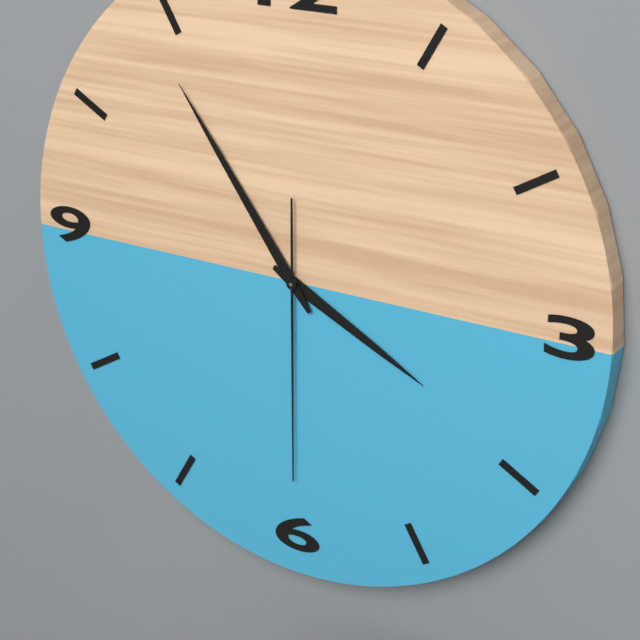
3:54:30
